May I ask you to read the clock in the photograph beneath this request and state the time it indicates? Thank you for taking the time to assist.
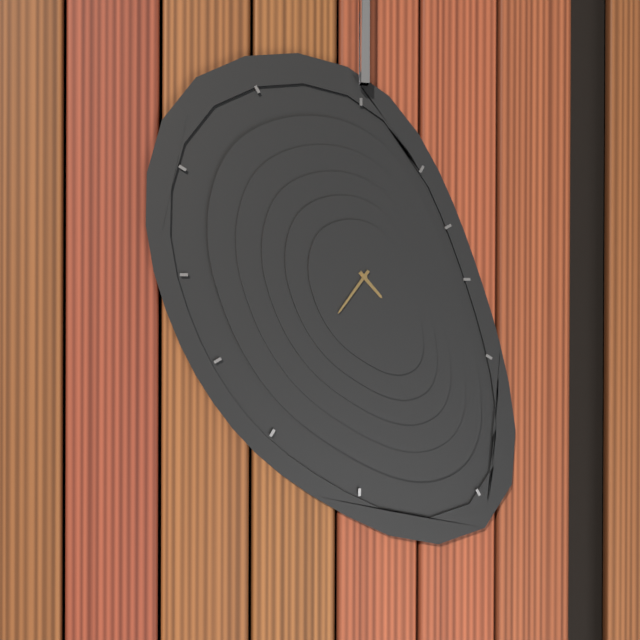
4:36
